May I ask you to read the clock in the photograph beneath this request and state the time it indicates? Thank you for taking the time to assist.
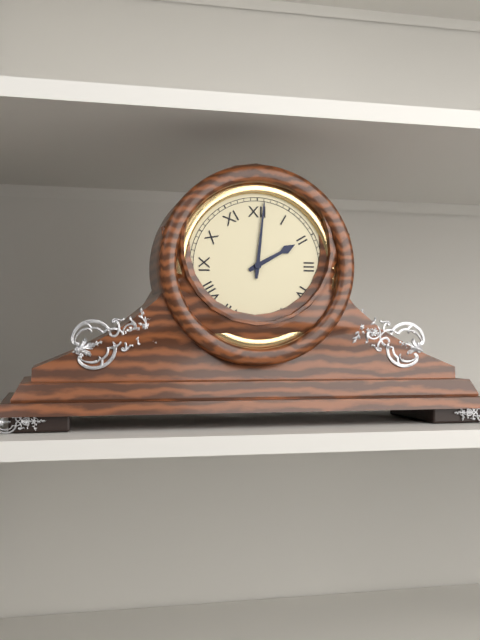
2:01
